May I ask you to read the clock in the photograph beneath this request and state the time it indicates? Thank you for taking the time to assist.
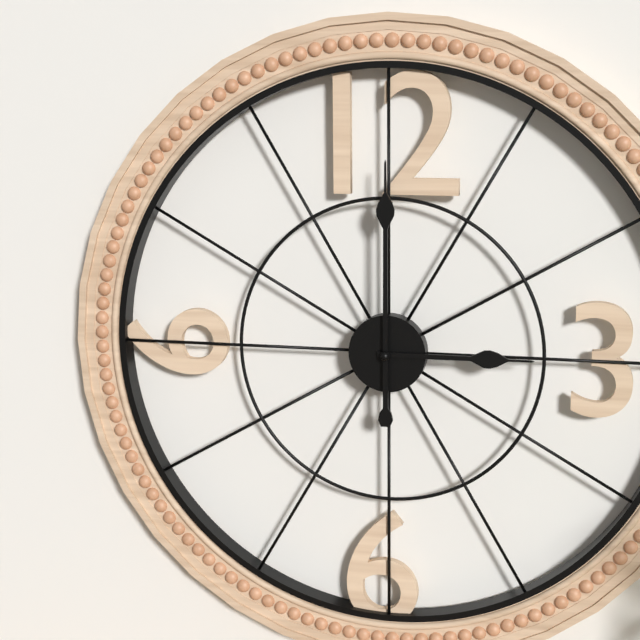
3:00
